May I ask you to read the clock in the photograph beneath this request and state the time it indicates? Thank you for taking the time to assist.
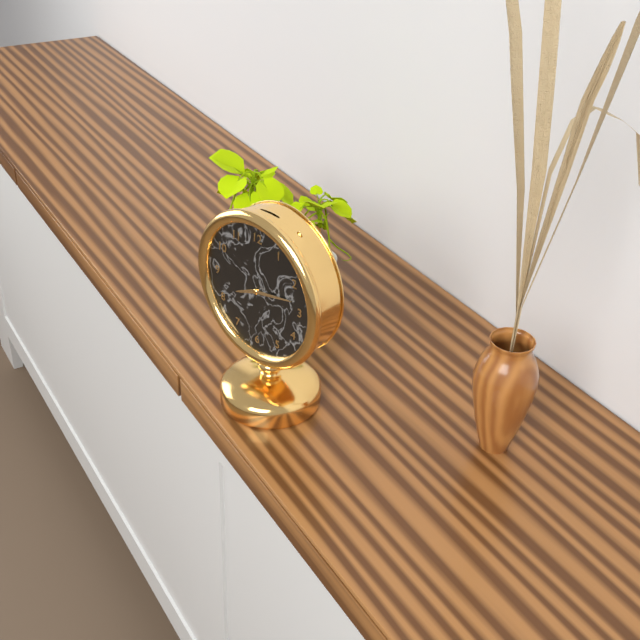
8:13
